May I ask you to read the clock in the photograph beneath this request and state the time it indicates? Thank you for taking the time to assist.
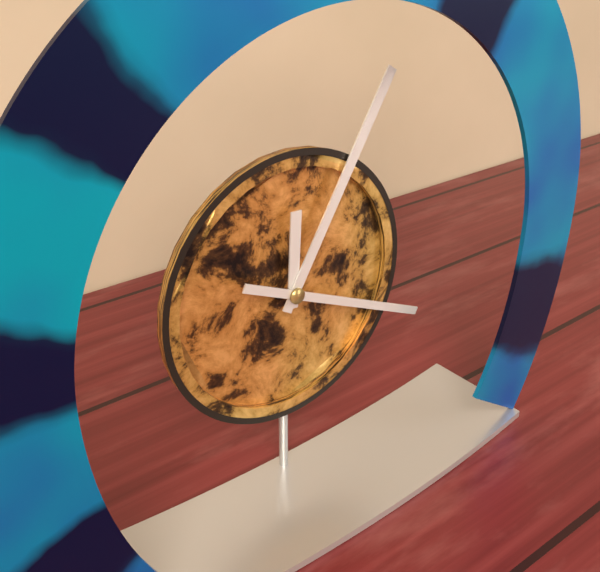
12:05:19
